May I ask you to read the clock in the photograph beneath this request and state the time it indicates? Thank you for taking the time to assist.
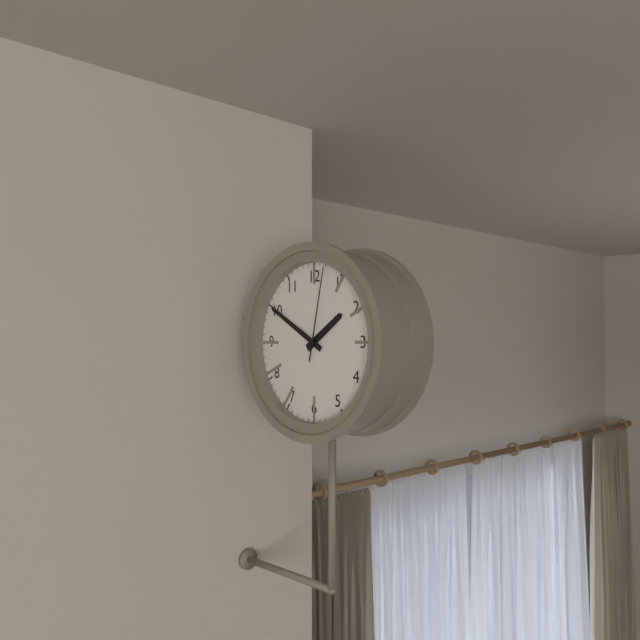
1:50:02
